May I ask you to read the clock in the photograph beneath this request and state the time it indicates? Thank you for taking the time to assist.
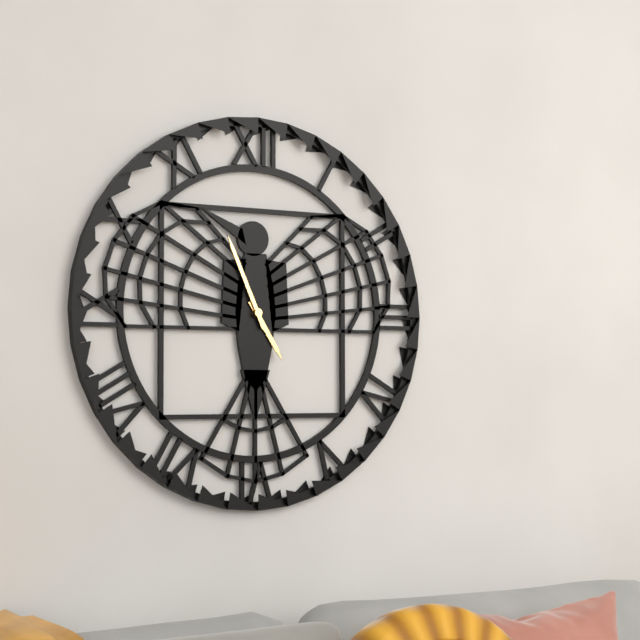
4:56
